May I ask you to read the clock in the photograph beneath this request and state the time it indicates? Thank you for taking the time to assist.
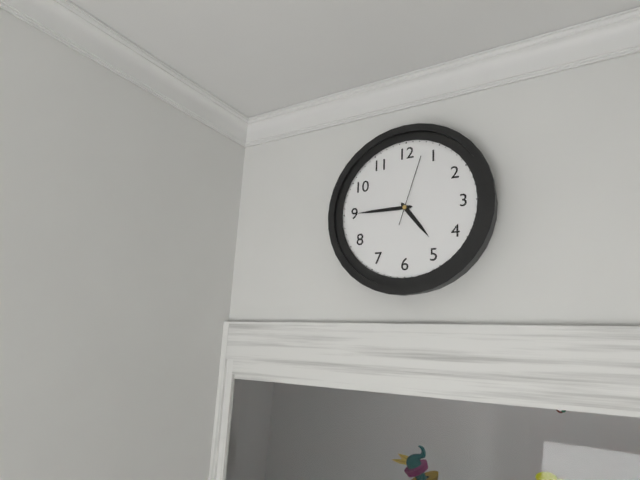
4:45:03
